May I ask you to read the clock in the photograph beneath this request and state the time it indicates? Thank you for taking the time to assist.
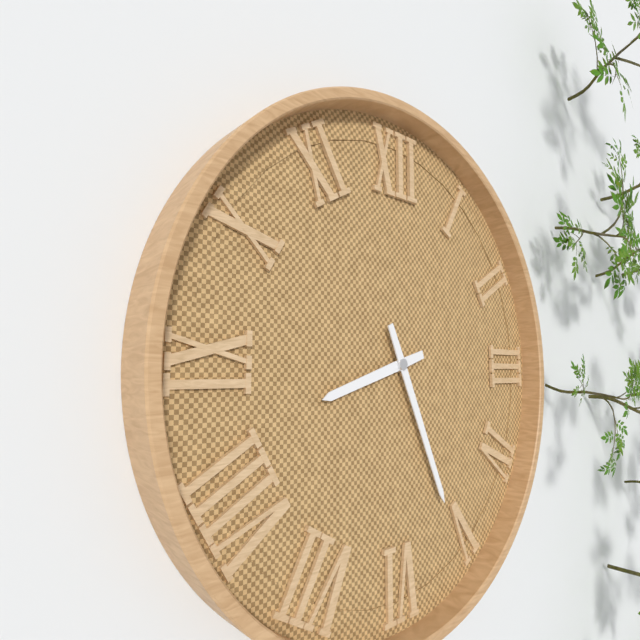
8:26
